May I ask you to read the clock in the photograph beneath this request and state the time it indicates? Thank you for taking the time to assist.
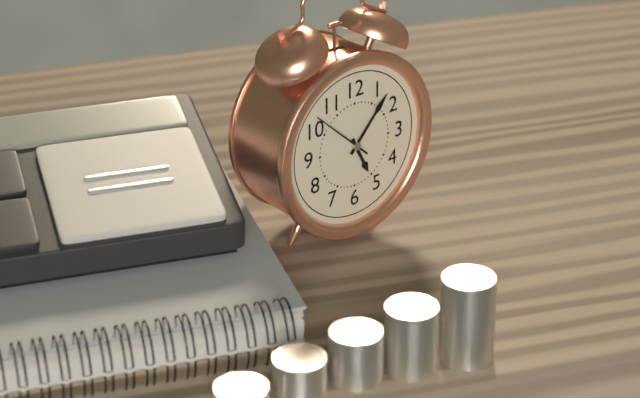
5:07:52
